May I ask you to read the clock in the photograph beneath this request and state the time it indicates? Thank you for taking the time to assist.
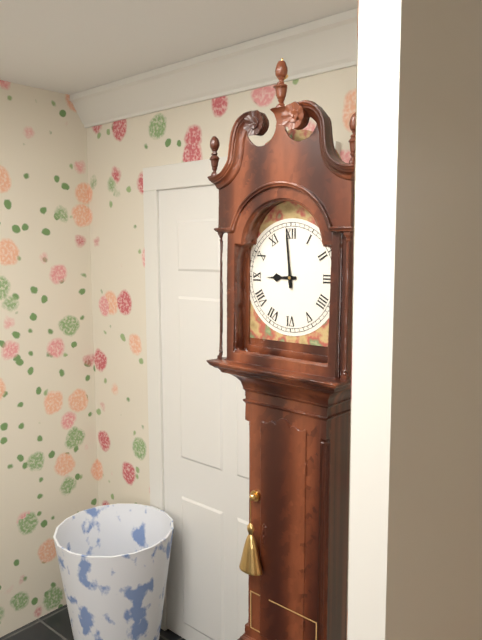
8:59
